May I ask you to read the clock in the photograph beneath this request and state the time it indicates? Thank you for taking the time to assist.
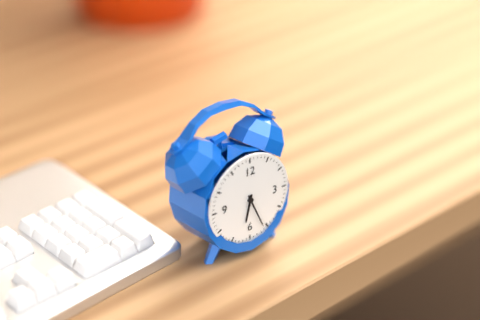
6:26
